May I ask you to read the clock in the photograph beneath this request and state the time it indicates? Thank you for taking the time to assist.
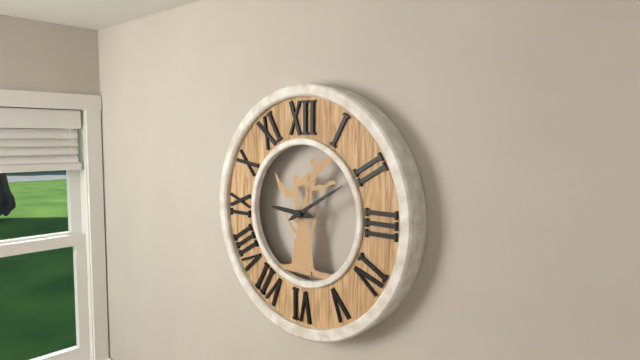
9:10
